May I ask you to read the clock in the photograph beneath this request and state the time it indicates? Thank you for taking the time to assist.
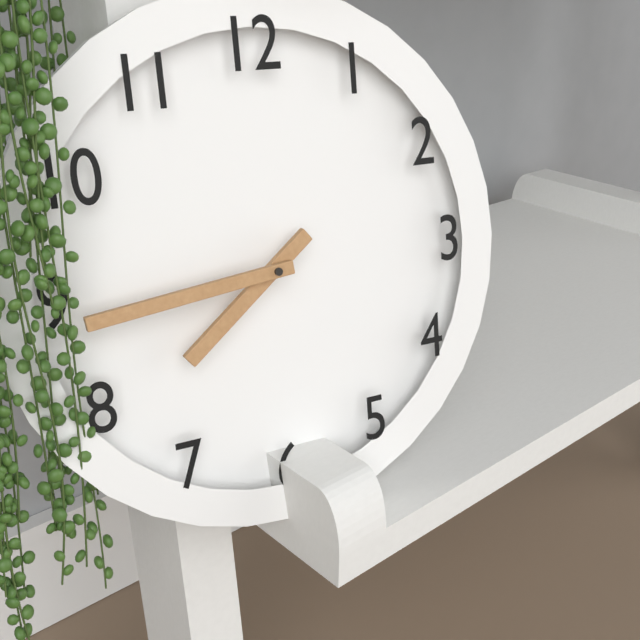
7:44
